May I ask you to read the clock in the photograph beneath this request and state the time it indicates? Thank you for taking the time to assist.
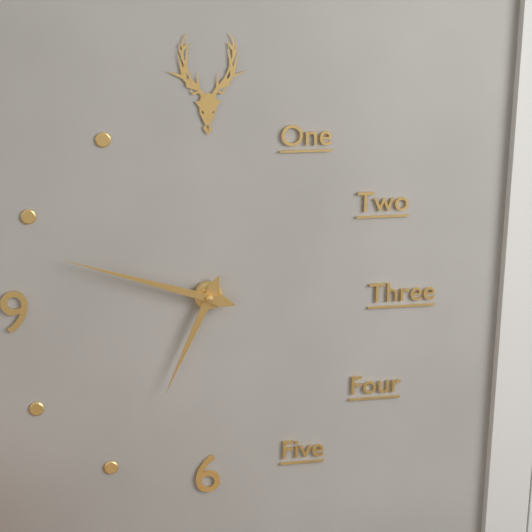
6:48
